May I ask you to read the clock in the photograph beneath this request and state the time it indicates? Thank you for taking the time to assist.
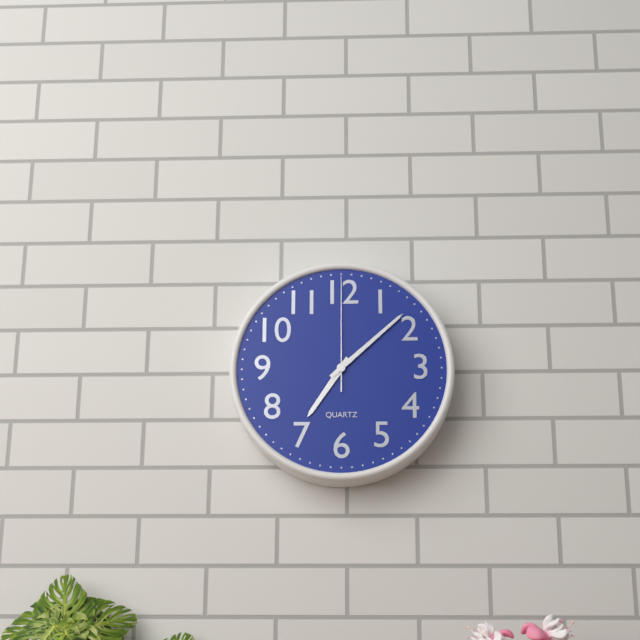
7:08:00
